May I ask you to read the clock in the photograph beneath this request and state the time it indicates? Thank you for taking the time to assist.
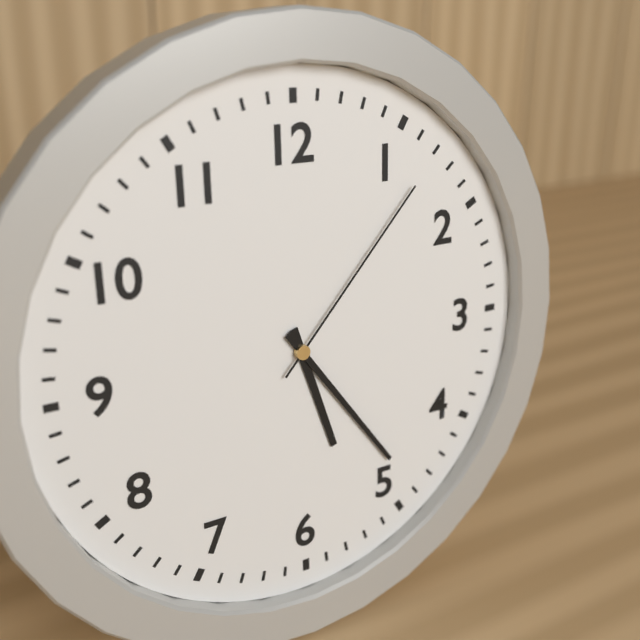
5:24:07
